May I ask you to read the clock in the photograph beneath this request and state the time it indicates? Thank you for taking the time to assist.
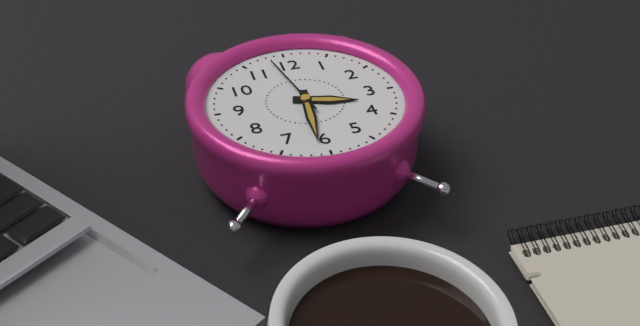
3:31:58
